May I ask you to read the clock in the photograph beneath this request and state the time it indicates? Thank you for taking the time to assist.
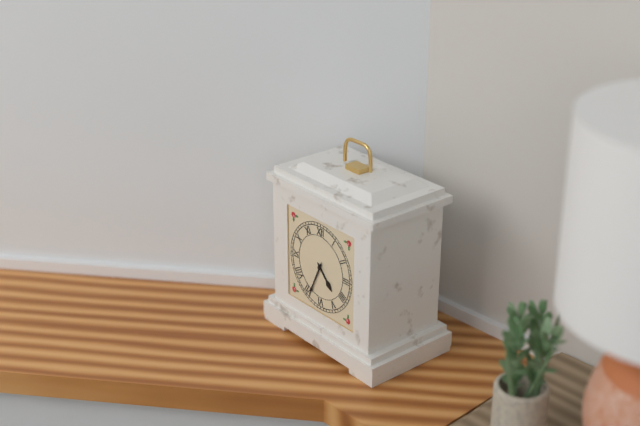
4:34
